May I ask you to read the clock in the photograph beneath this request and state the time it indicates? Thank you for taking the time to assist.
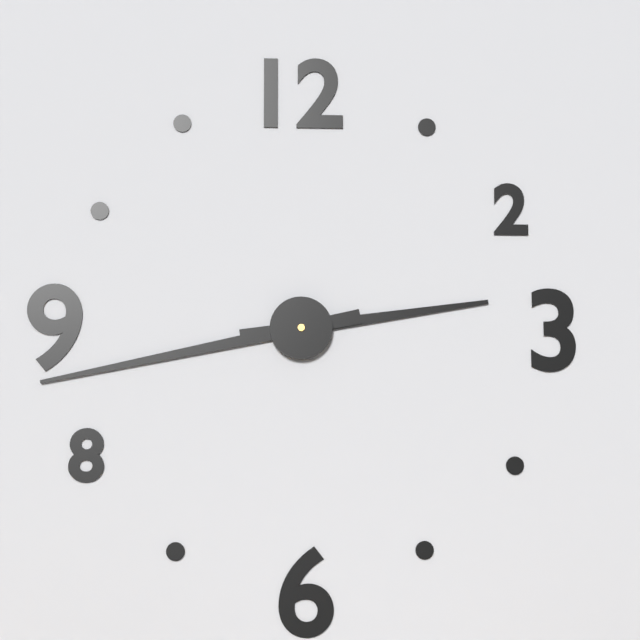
2:43
